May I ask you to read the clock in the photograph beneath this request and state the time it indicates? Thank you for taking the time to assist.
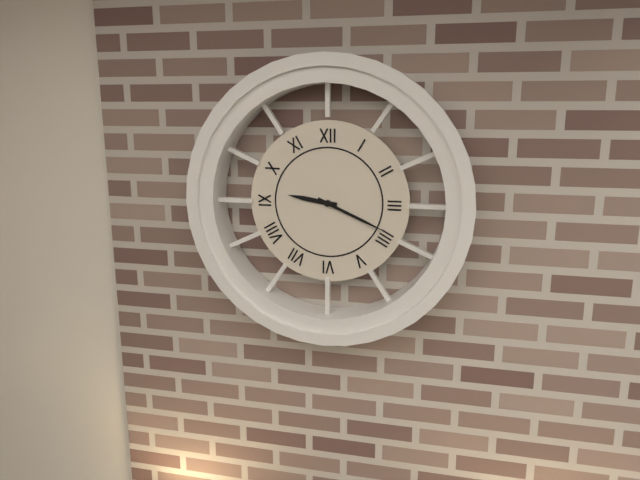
9:19
